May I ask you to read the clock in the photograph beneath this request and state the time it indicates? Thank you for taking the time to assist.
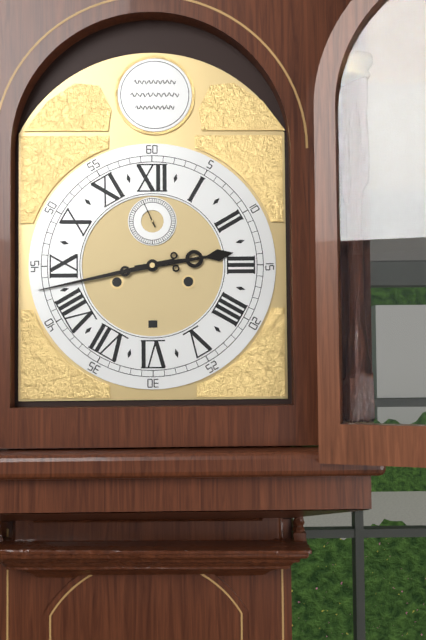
2:43
